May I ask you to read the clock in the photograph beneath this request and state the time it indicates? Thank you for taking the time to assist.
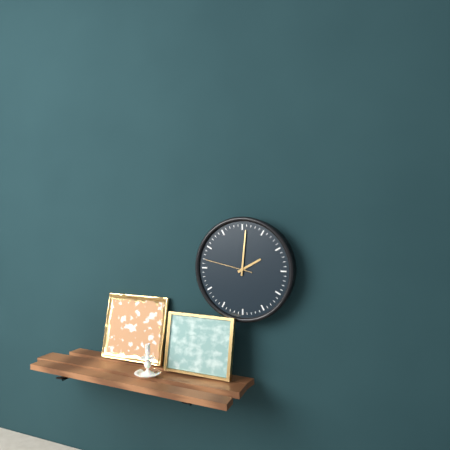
2:01:47
